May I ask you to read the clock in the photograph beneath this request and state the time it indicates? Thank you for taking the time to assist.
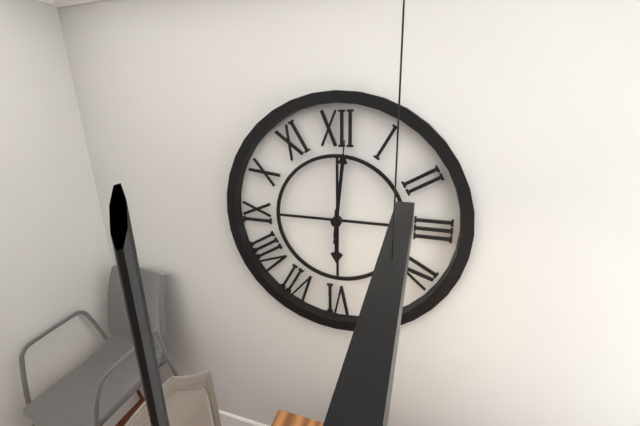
6:01:01
